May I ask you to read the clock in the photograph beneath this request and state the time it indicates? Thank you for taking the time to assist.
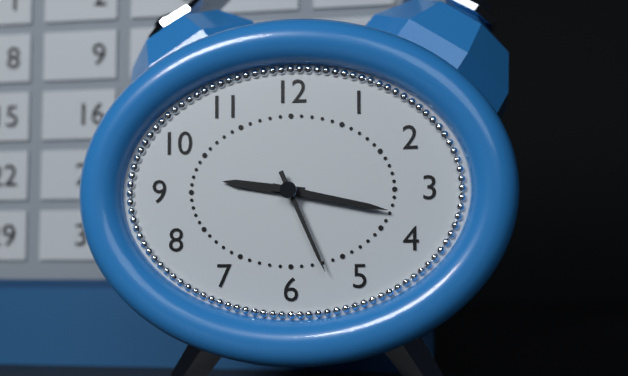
9:17:26
